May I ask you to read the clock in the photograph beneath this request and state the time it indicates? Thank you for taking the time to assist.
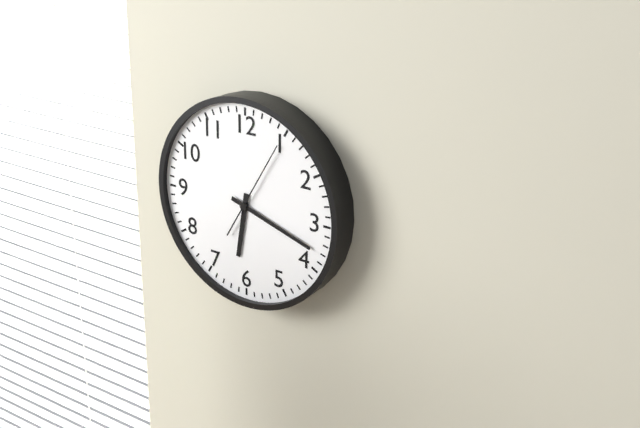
6:18:05
